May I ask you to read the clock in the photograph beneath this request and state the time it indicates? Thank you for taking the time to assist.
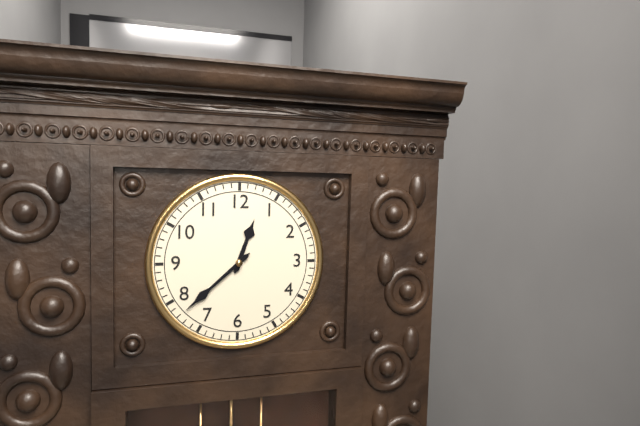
12:38
